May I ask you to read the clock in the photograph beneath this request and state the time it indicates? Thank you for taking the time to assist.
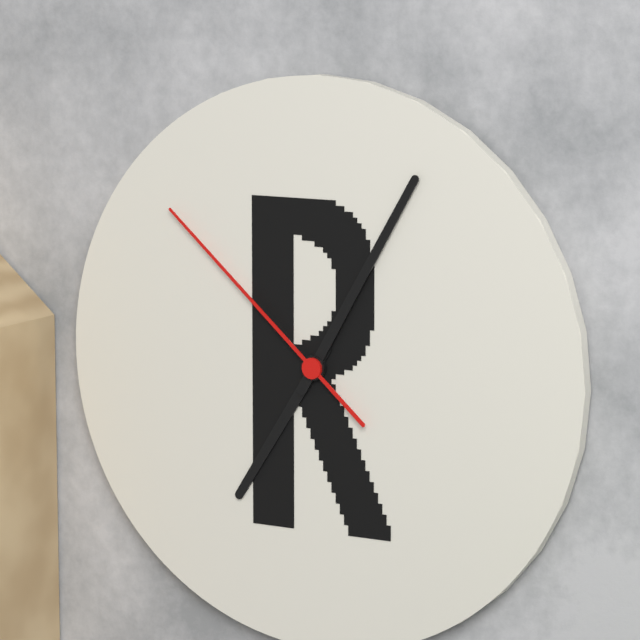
7:05:52
